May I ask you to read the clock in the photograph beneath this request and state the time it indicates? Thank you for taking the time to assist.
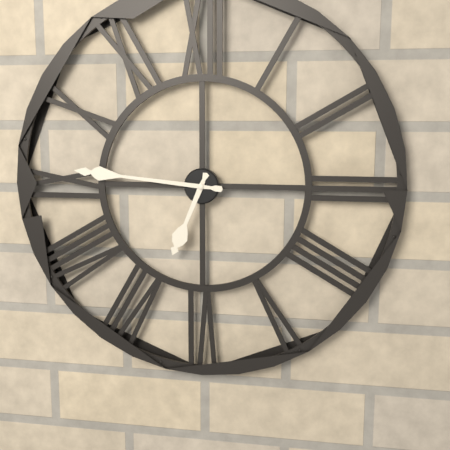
6:46
